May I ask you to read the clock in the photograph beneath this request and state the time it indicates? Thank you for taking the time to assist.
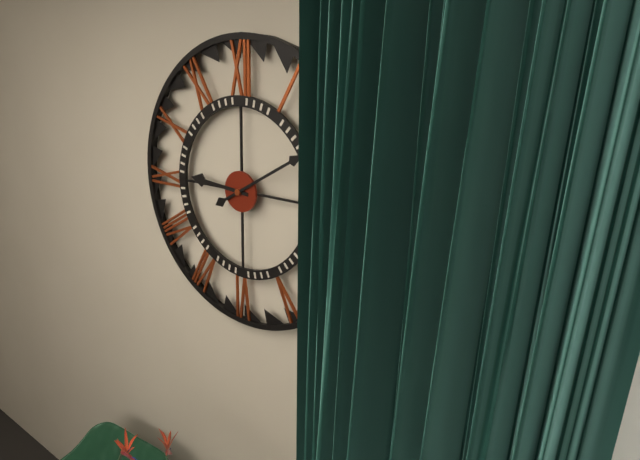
9:10
